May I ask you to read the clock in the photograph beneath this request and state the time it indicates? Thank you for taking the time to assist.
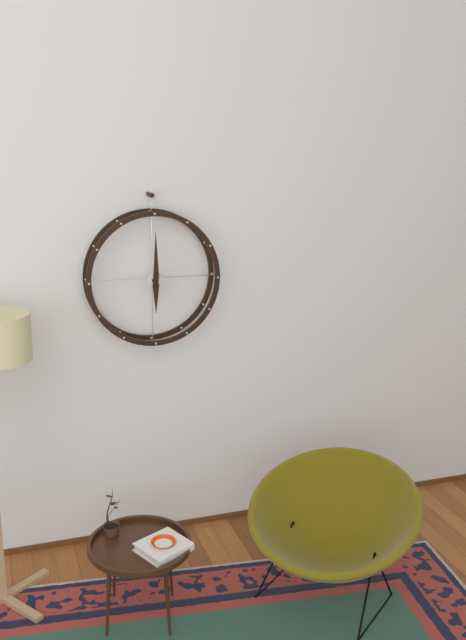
6:00
